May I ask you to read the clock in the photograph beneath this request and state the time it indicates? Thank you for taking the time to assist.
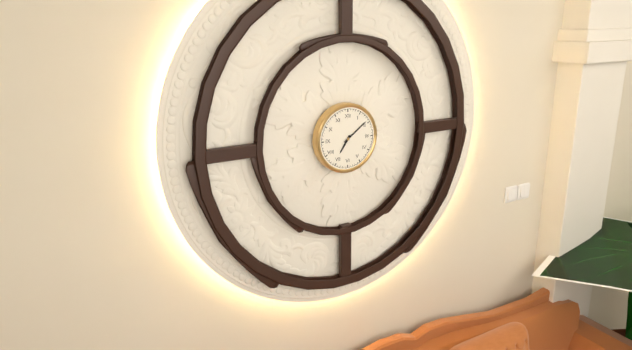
7:09
